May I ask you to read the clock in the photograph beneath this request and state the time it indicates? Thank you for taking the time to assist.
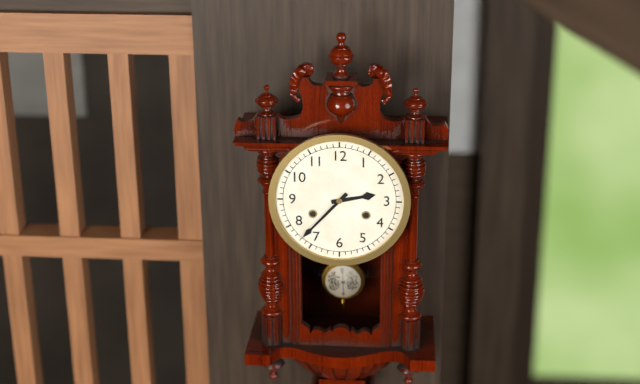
2:37
